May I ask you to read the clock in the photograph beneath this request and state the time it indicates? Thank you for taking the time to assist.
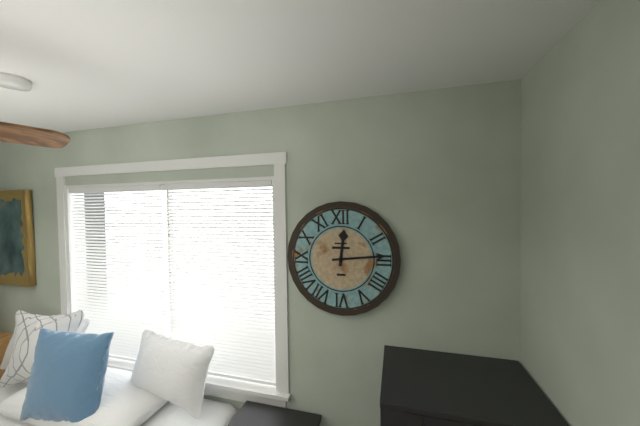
12:14
